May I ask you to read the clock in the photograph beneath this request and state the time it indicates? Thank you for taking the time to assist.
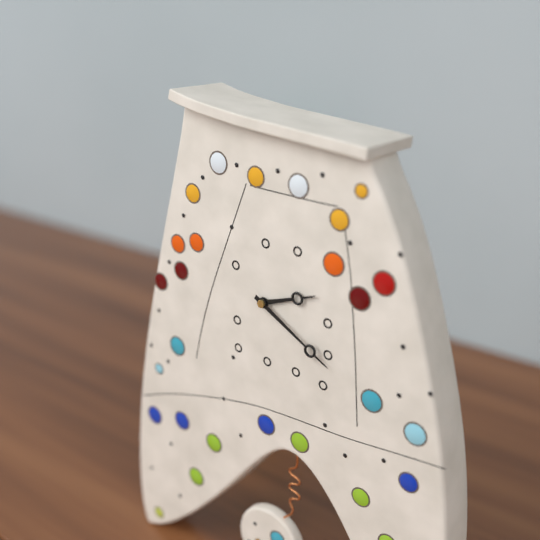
2:20
